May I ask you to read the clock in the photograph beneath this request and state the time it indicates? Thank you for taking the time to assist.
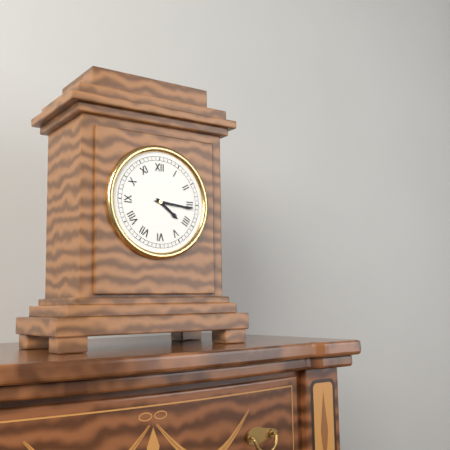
4:16
